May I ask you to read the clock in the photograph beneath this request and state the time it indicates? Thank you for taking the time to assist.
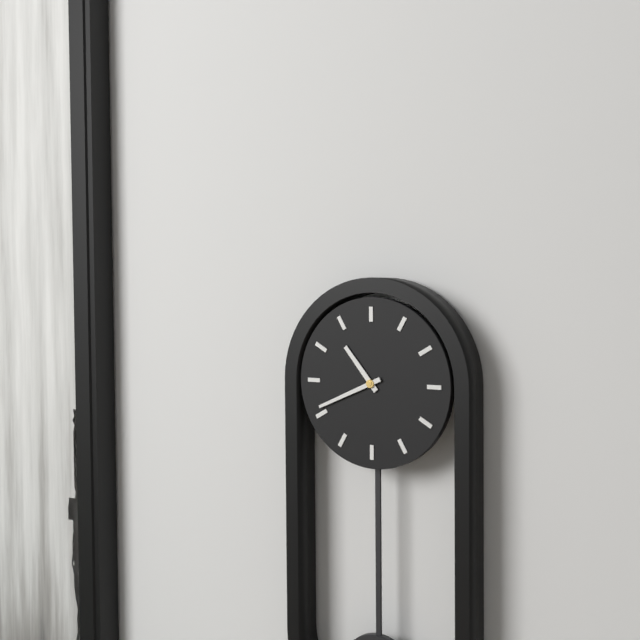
10:41
